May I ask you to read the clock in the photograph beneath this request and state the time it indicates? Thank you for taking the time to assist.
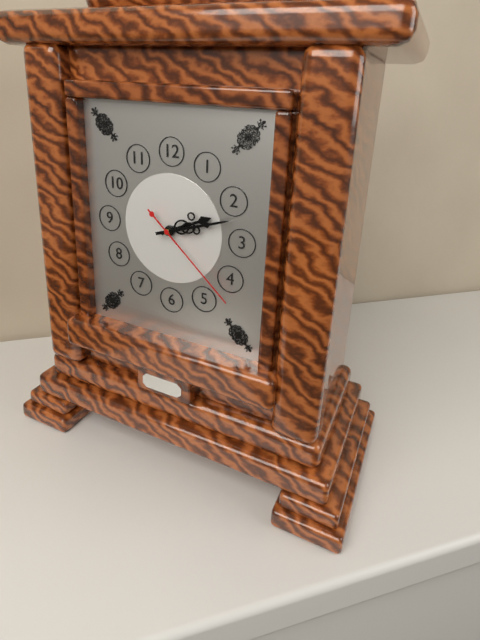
2:12:22
